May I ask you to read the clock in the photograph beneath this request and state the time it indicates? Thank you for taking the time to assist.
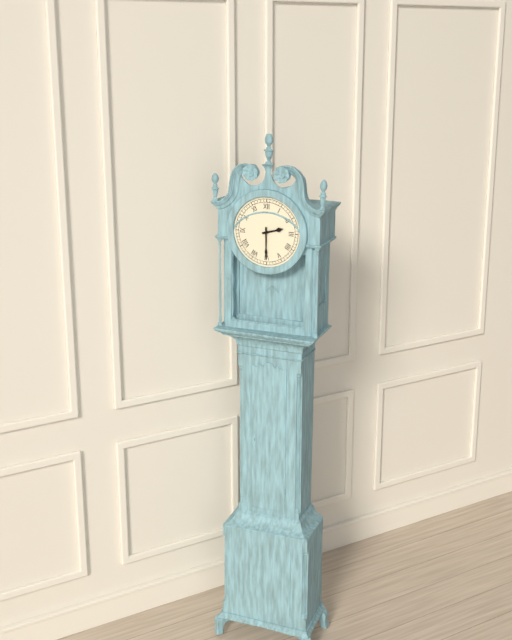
2:30
